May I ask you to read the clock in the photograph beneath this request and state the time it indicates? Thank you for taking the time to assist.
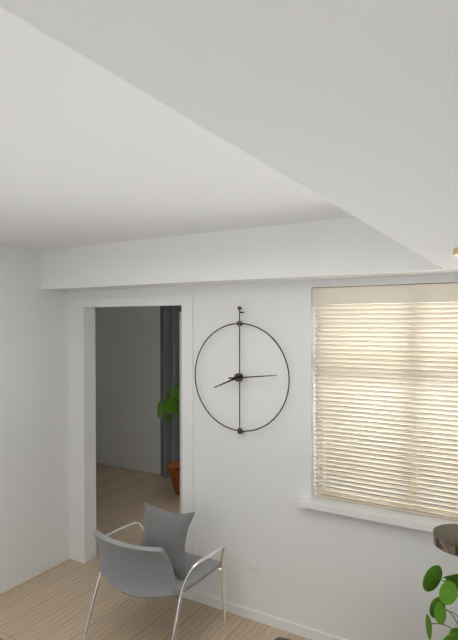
8:14
